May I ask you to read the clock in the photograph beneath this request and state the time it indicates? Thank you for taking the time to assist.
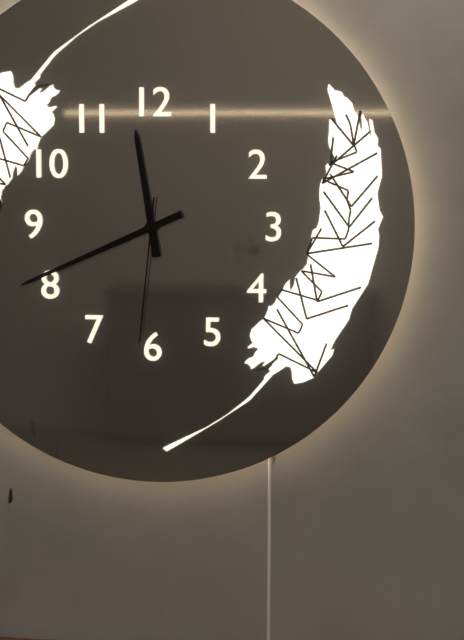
11:41:31
